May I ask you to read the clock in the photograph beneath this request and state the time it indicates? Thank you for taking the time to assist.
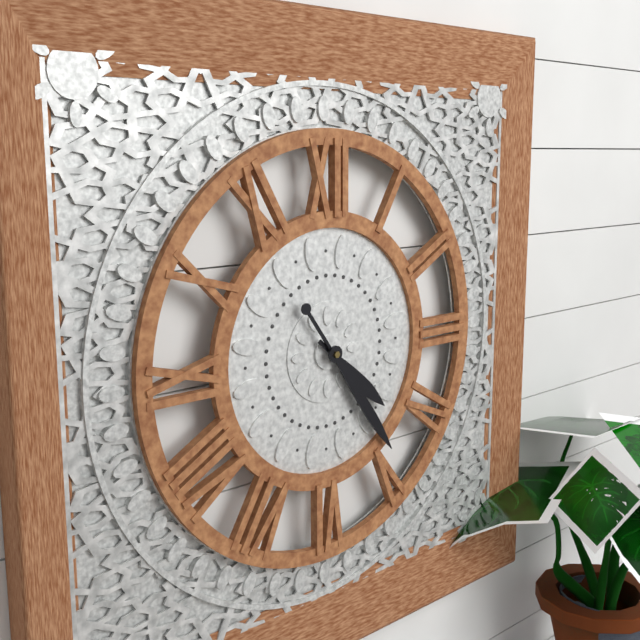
4:24
